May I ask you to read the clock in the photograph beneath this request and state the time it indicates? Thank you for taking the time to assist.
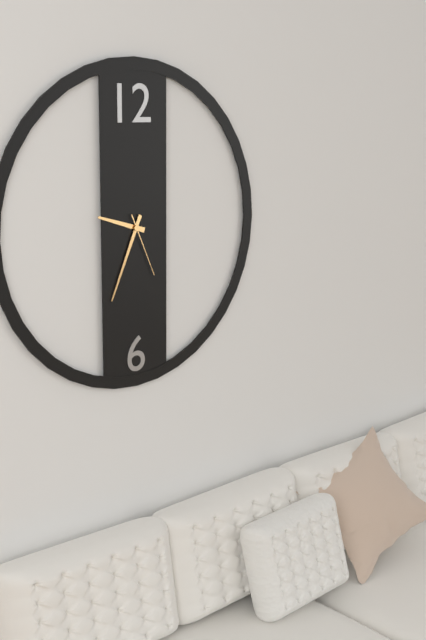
9:34:26
